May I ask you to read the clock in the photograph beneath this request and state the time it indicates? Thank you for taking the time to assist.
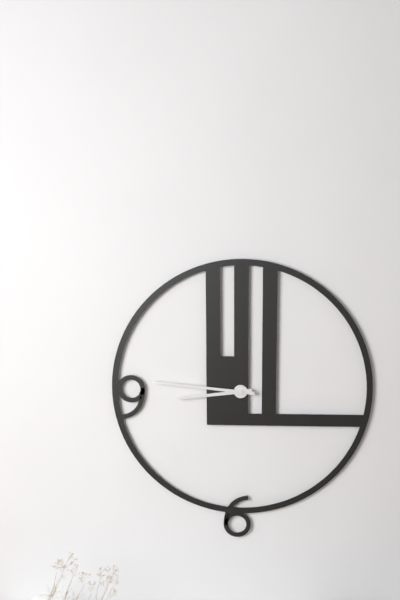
8:46
